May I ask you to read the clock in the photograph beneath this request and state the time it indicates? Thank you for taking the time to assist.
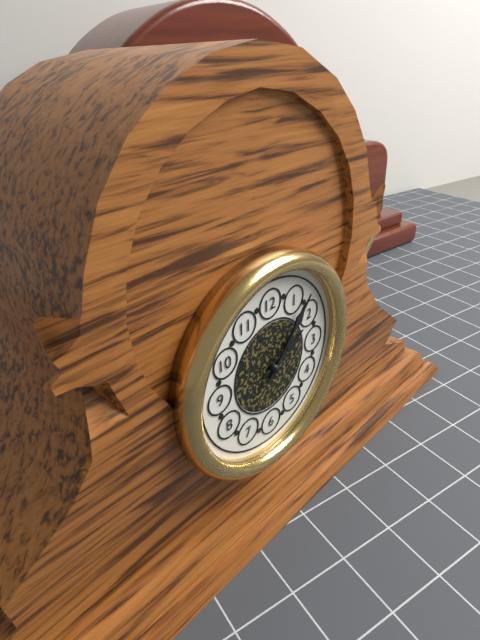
2:07
